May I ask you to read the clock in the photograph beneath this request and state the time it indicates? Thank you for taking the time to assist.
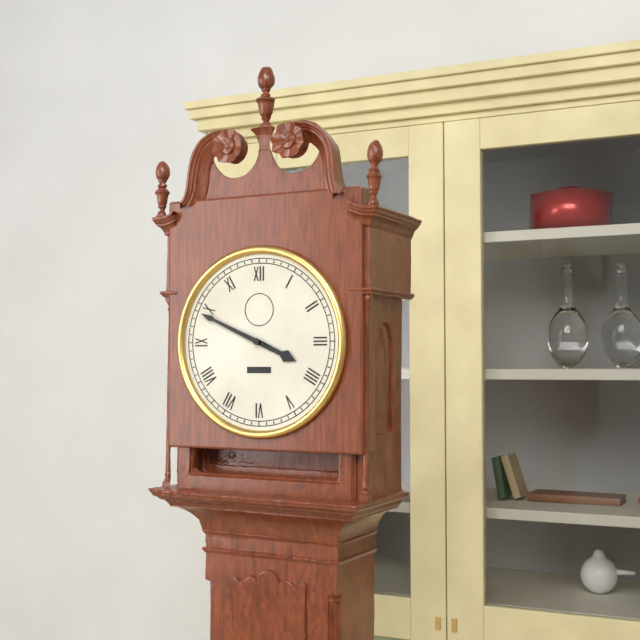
3:49
